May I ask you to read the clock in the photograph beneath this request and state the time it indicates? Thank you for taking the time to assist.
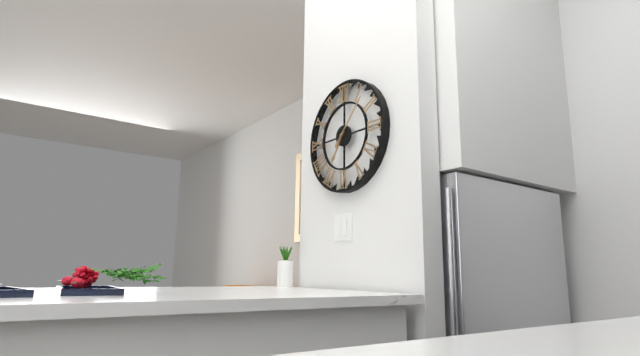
7:07
